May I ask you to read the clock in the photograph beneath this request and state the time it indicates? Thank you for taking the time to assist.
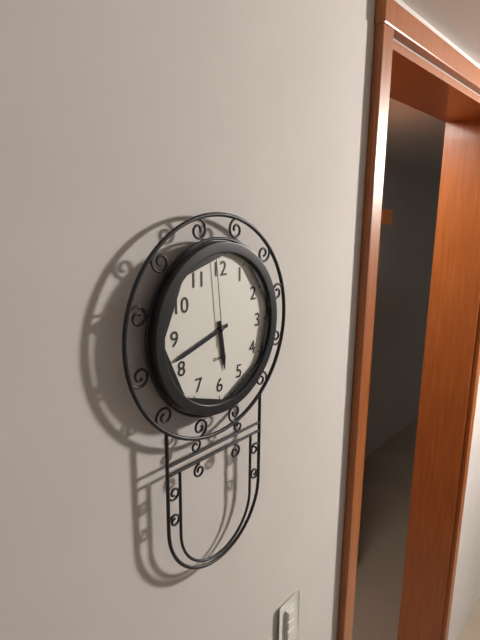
5:42:59
